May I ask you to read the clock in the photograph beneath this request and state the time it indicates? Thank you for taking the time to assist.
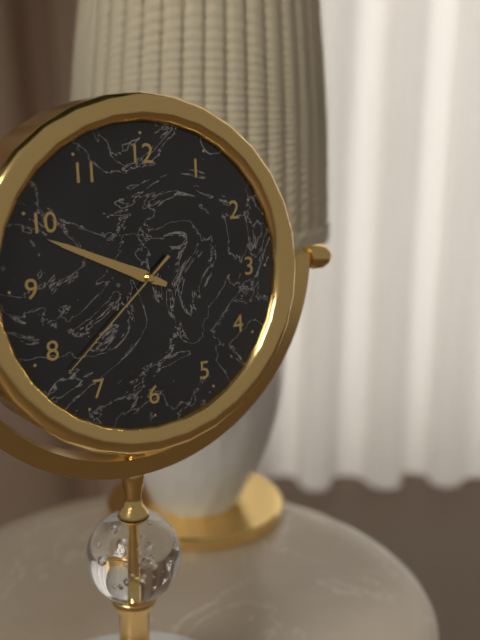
9:49:38
